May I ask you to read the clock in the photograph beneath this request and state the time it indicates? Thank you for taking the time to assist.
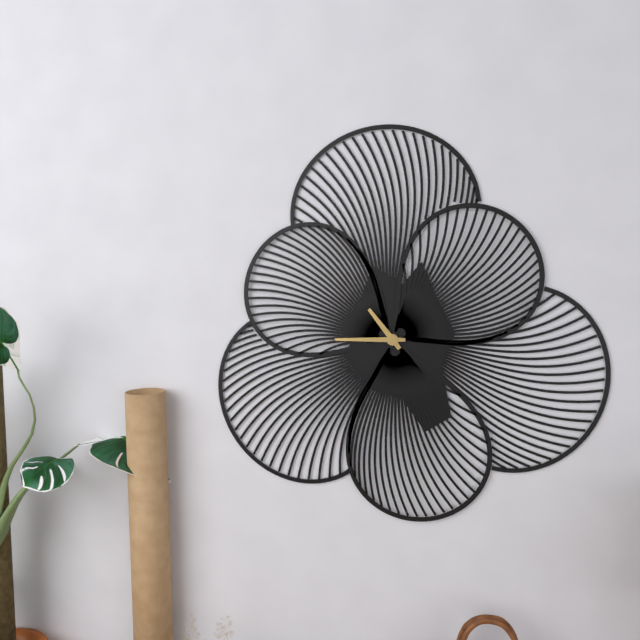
10:45
